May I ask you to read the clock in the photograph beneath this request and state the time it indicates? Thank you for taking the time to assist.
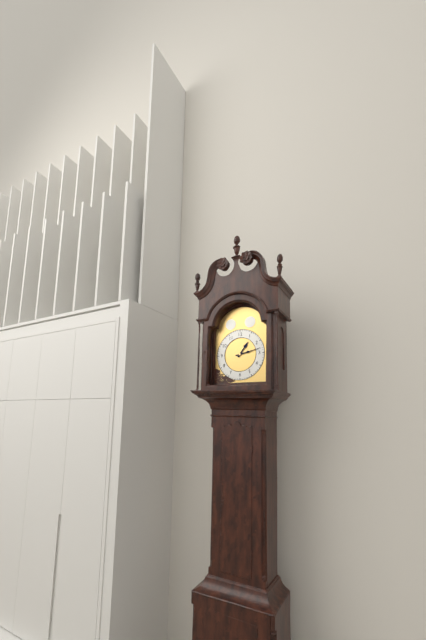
1:13
